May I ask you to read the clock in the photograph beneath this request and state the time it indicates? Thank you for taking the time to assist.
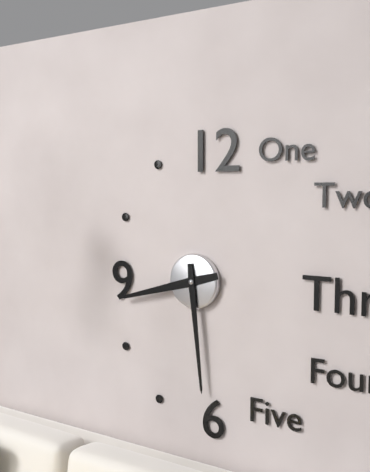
8:29
